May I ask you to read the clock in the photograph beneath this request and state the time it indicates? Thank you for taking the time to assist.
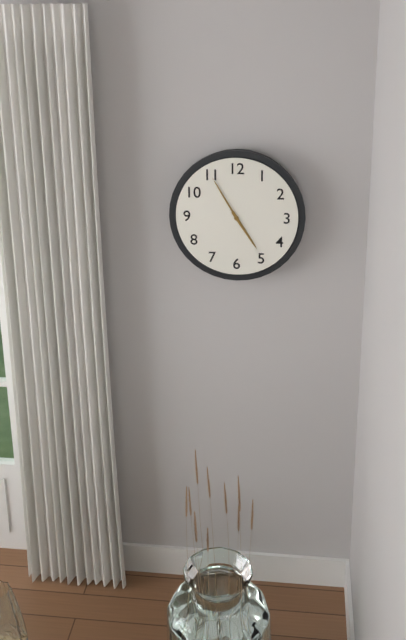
4:55
